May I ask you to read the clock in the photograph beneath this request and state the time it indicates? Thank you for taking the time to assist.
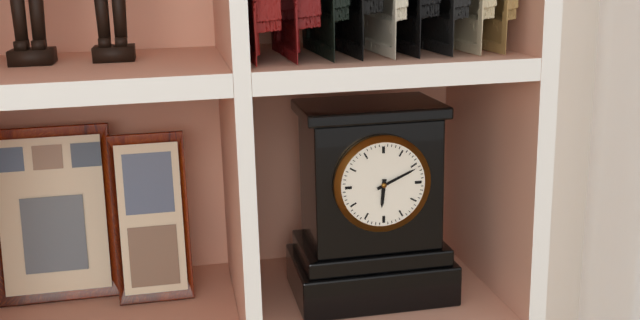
6:11
